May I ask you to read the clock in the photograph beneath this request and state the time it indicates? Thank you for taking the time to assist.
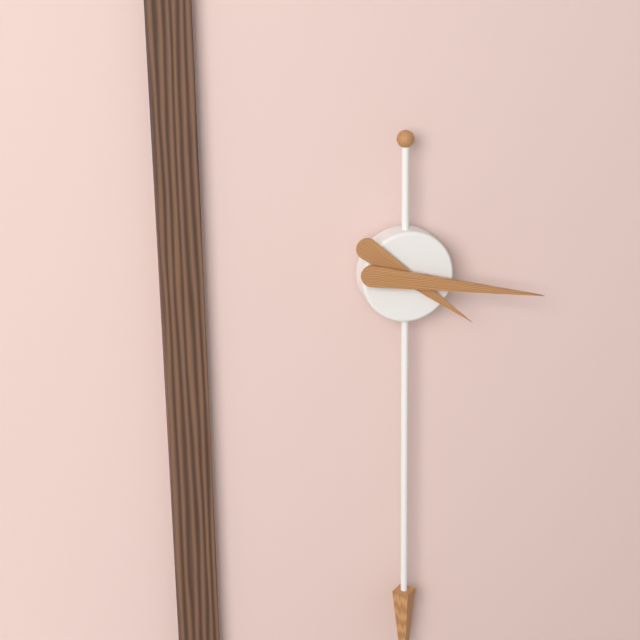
4:17
